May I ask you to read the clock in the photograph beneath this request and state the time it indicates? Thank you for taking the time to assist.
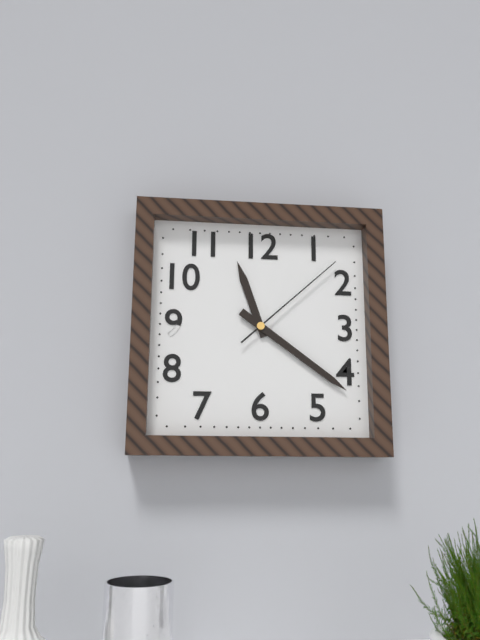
11:21:08
